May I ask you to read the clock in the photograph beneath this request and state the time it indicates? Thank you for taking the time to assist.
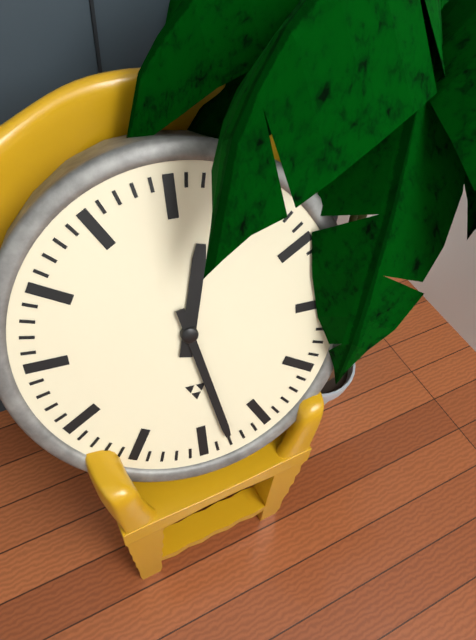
12:28
